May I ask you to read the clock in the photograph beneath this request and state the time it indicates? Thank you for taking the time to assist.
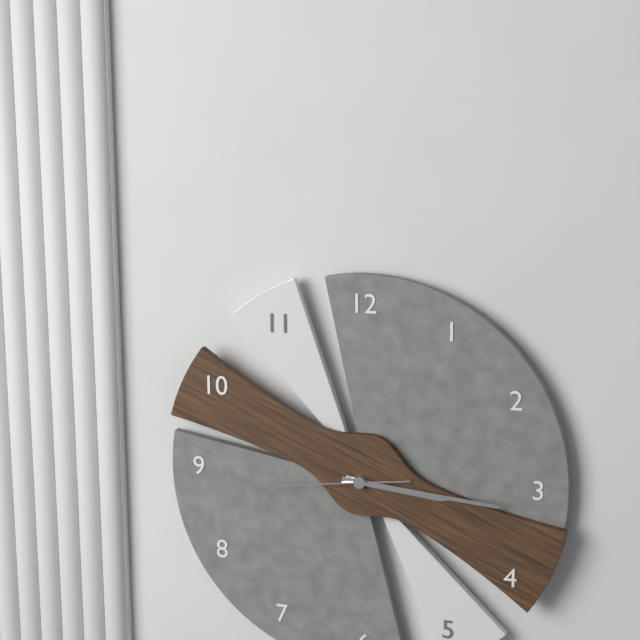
3:16:44
